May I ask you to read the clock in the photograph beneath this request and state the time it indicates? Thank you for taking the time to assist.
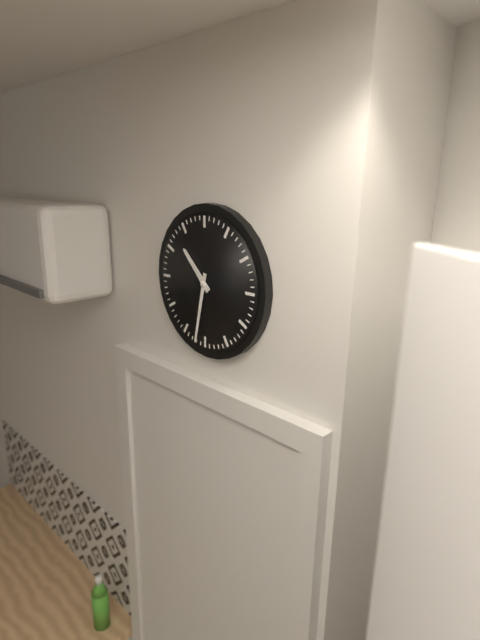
10:32
